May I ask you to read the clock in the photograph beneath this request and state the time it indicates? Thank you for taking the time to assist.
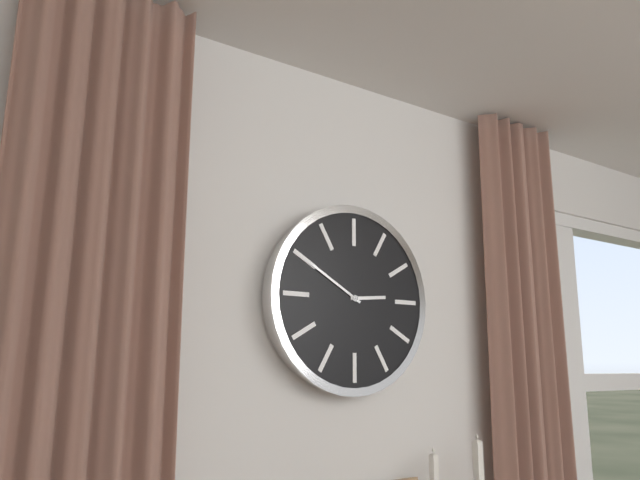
2:50
